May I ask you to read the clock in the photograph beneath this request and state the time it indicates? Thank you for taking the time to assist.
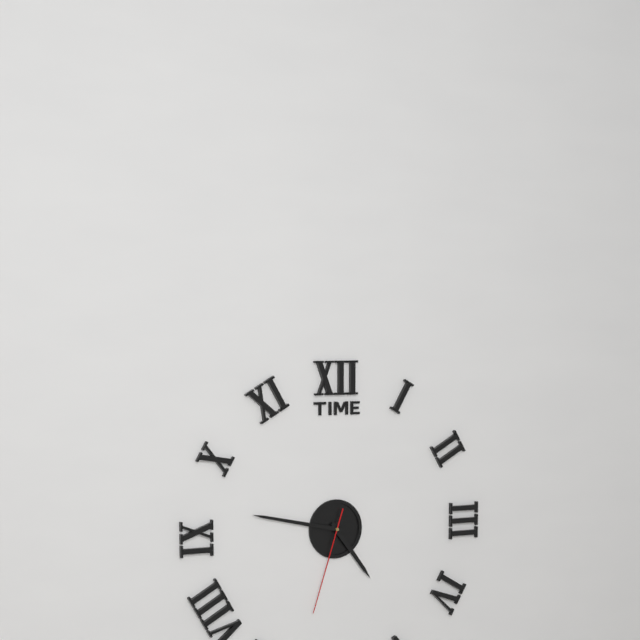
4:47:33
